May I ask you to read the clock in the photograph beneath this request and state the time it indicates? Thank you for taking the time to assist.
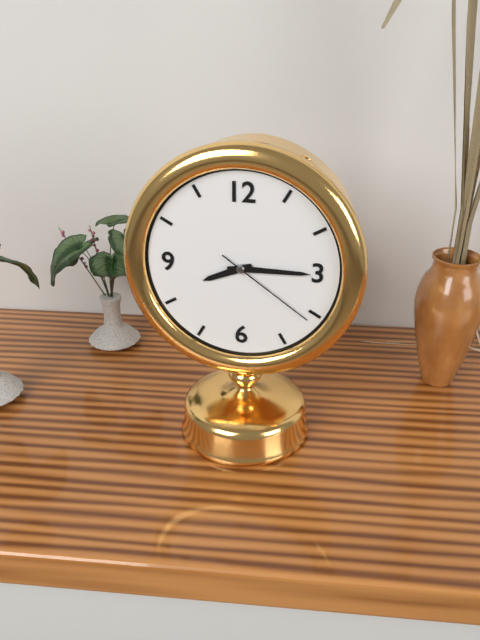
8:15:21
